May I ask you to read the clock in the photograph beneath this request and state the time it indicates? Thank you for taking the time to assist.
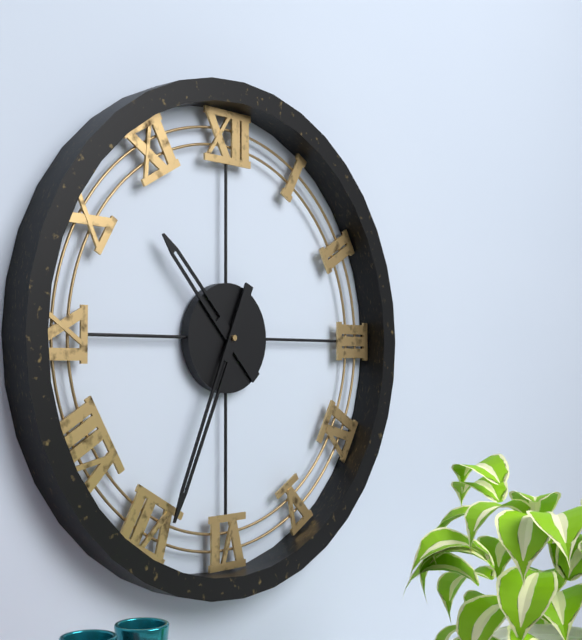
10:34
